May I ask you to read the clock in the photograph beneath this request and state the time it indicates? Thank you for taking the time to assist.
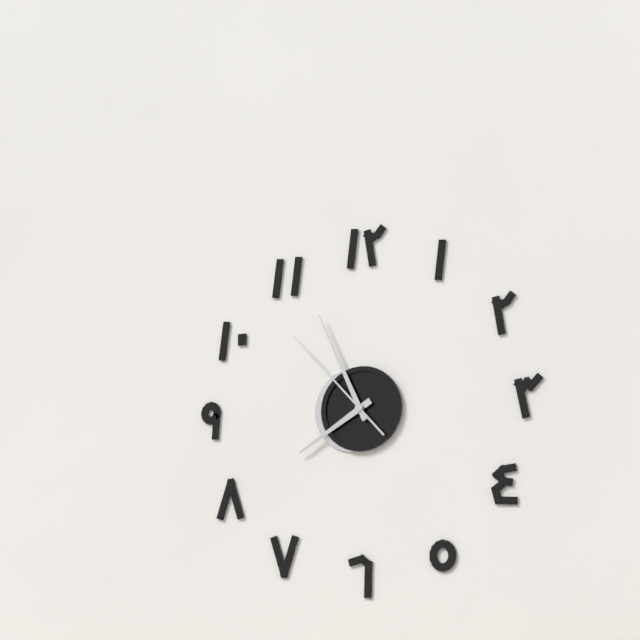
7:56:53
